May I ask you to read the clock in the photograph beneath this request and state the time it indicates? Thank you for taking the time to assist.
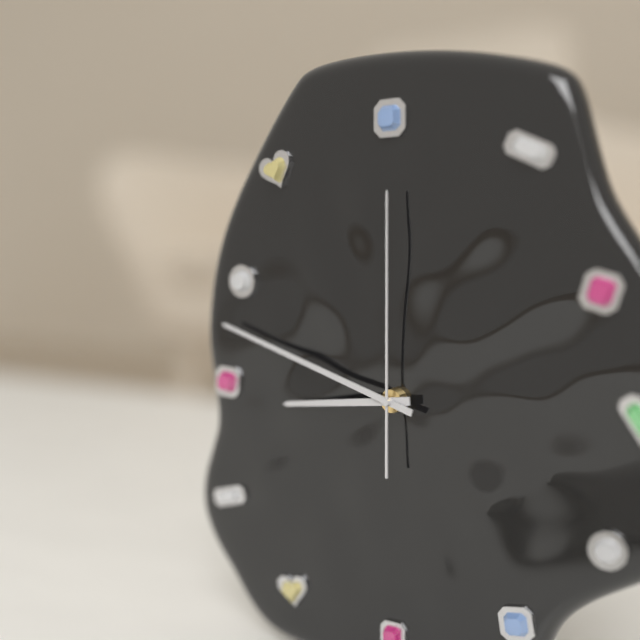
8:48:00
